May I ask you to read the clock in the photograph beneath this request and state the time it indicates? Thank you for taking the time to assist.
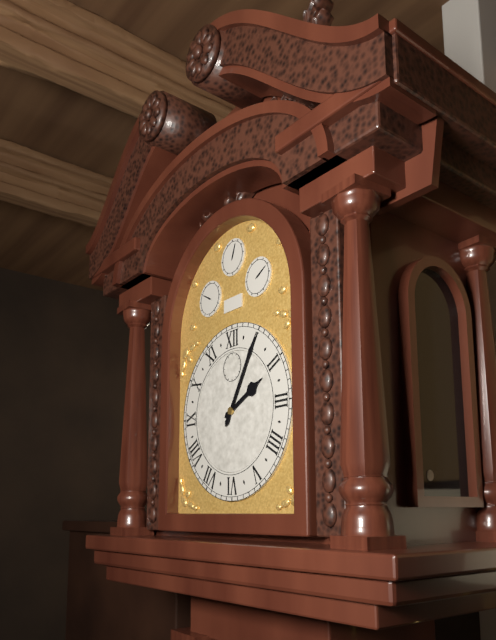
2:05
